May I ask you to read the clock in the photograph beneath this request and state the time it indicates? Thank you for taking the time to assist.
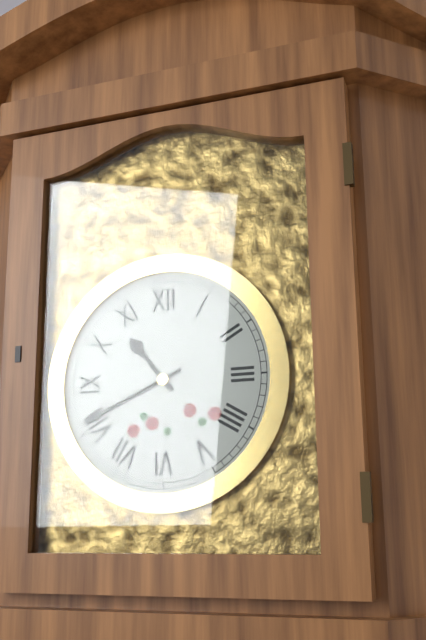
10:41
